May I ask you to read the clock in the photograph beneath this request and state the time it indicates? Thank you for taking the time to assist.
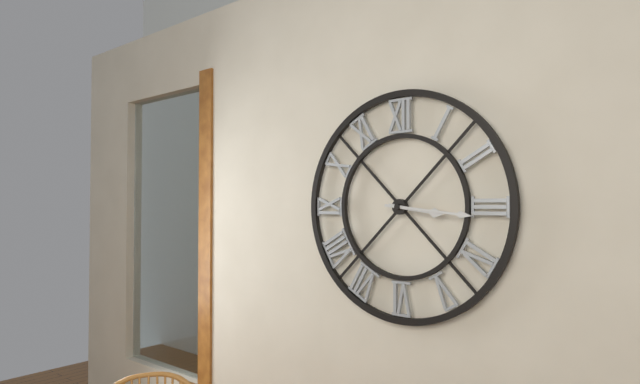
3:16
